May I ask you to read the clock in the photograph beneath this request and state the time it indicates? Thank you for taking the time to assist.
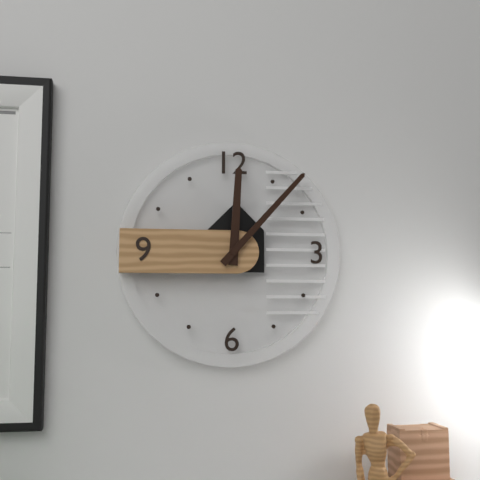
12:07
